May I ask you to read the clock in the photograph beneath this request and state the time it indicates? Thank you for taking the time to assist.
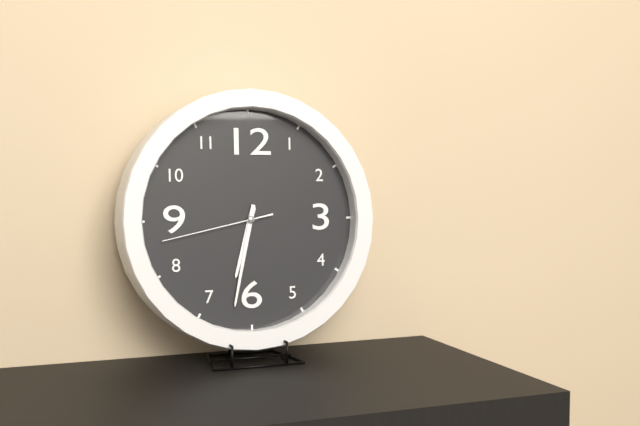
6:32:43
